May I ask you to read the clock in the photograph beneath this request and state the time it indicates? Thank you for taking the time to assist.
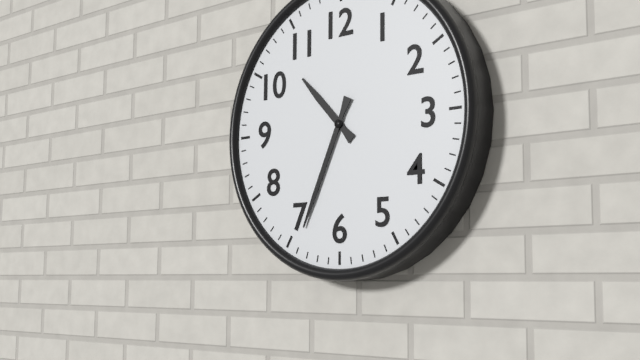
10:34
